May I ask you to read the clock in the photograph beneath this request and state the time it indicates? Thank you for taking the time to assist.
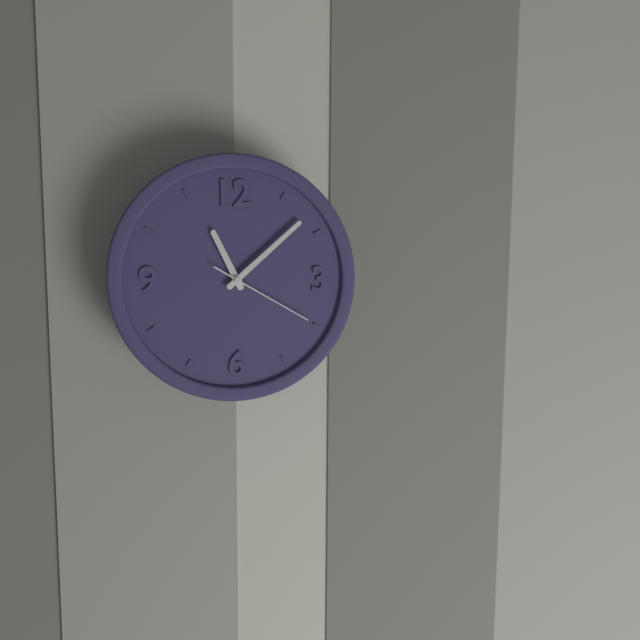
11:08:20
